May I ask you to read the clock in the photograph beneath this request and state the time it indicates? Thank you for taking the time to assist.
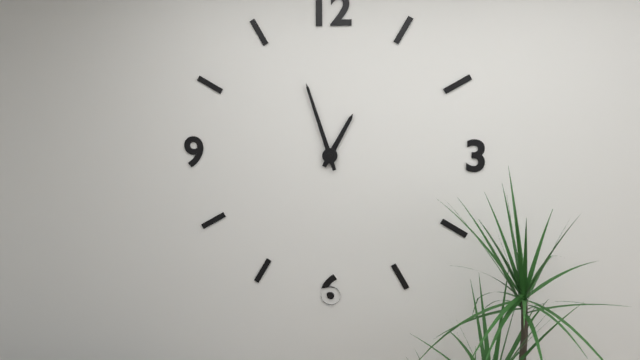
12:57
